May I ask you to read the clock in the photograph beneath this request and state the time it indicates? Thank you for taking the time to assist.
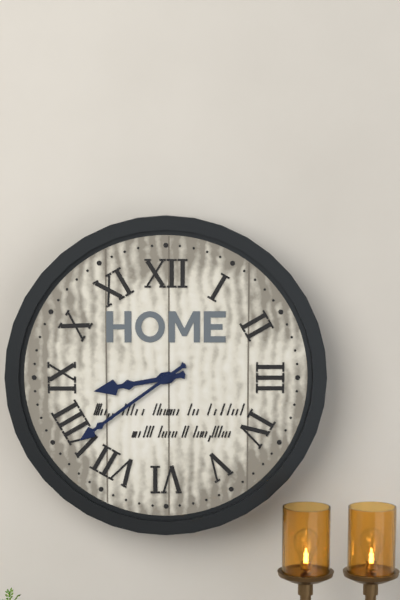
8:39
